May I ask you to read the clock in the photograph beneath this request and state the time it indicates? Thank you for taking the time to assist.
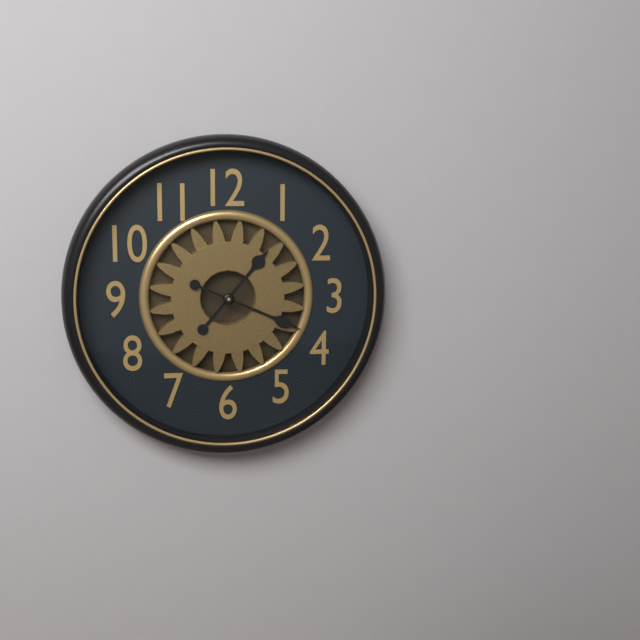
1:19
